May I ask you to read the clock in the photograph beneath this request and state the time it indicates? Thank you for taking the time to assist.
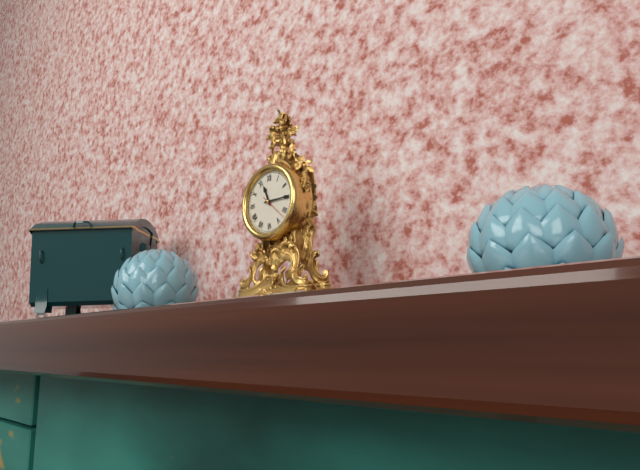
11:15
